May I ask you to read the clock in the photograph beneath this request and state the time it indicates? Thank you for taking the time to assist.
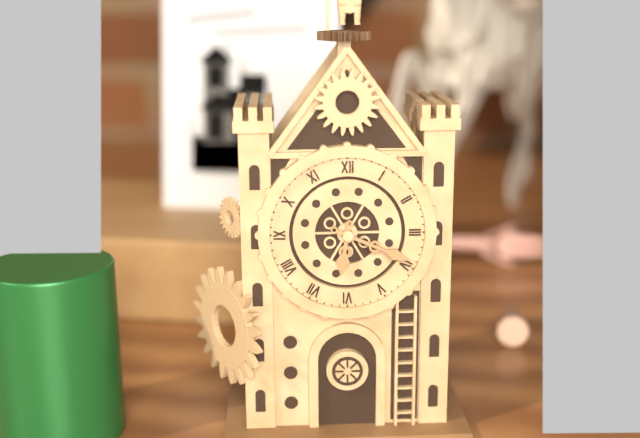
6:19
